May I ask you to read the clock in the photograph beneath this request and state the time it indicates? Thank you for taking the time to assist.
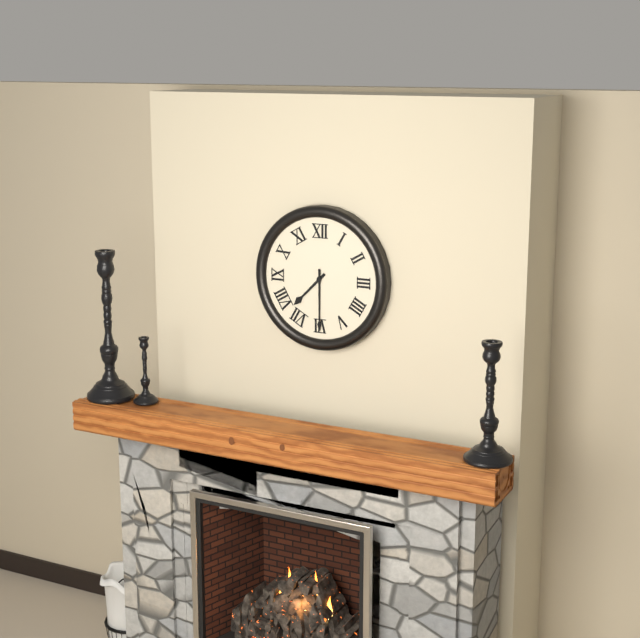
7:30
